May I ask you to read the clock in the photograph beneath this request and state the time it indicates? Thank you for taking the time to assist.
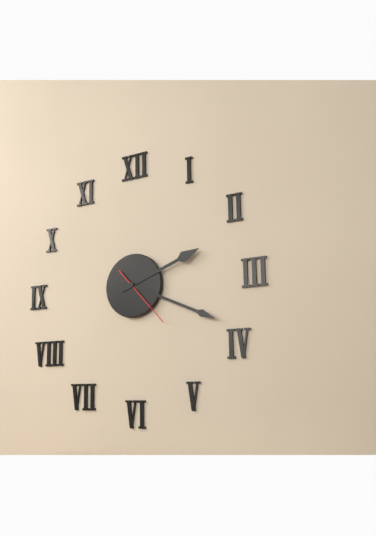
2:19:23
